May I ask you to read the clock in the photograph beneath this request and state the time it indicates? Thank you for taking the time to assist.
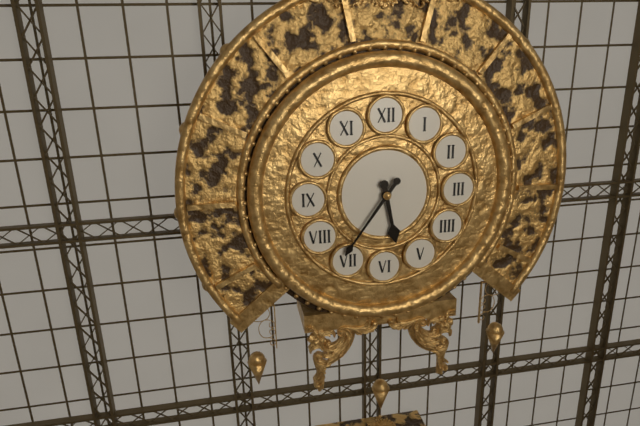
5:36
